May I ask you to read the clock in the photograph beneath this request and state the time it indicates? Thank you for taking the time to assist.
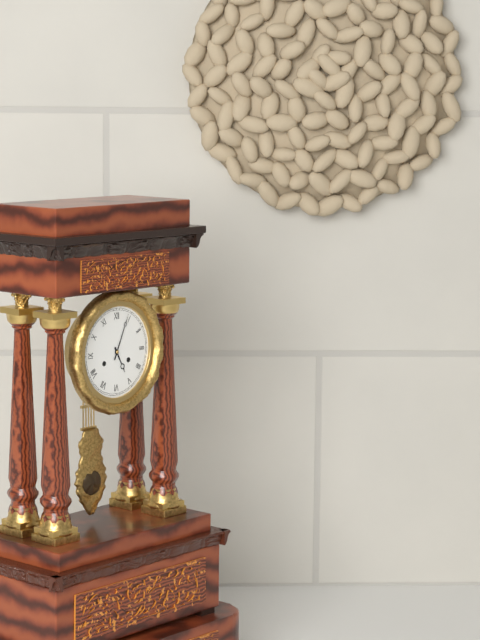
5:04
